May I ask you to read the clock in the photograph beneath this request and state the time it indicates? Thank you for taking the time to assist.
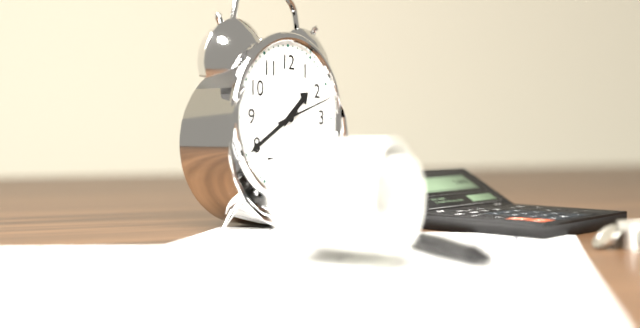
1:40:12
